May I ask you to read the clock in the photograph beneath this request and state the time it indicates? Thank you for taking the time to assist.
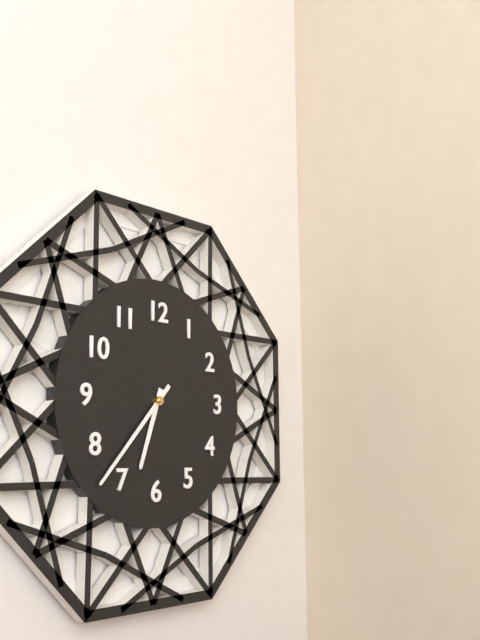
6:37
